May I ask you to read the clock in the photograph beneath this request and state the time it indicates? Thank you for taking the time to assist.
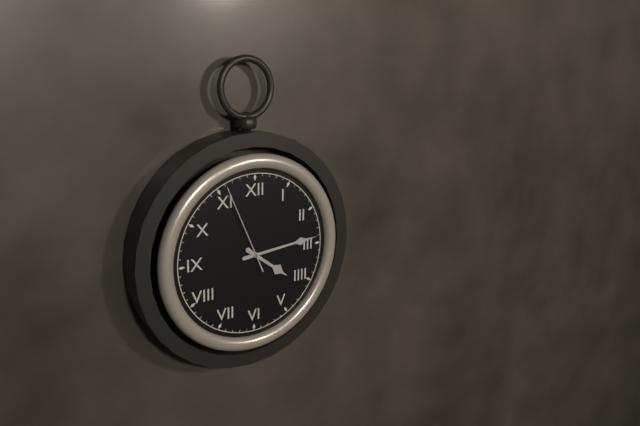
4:14:56
